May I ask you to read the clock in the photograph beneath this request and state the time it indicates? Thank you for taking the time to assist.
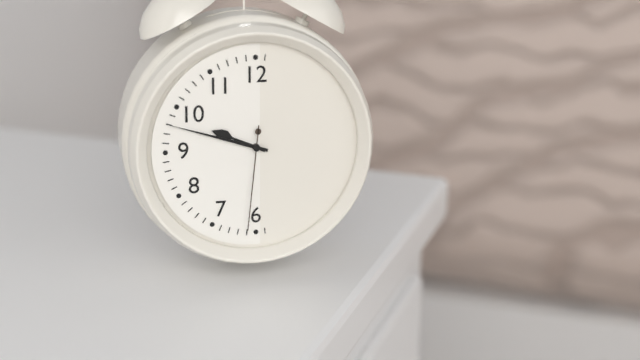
9:48:31
